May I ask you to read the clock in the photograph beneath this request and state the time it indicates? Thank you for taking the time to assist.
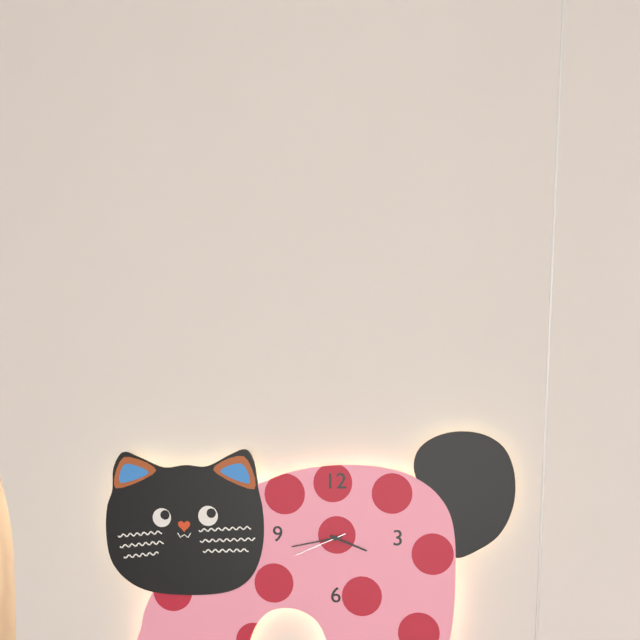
3:43:41
